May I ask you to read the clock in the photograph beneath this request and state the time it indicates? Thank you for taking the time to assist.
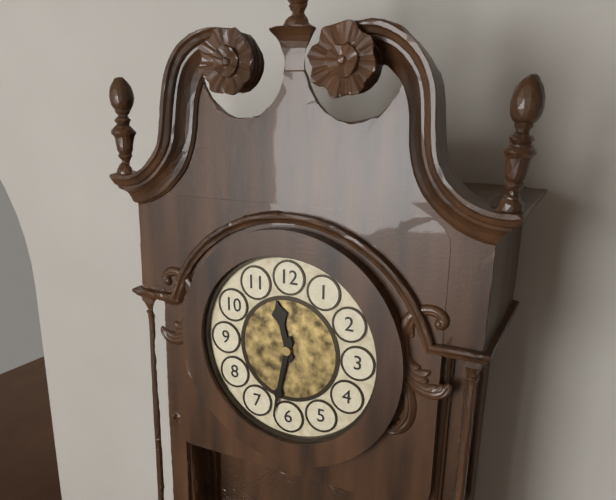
11:32
